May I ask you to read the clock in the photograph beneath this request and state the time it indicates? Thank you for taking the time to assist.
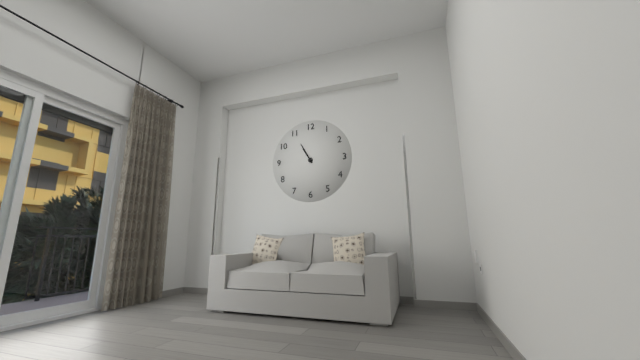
10:55
